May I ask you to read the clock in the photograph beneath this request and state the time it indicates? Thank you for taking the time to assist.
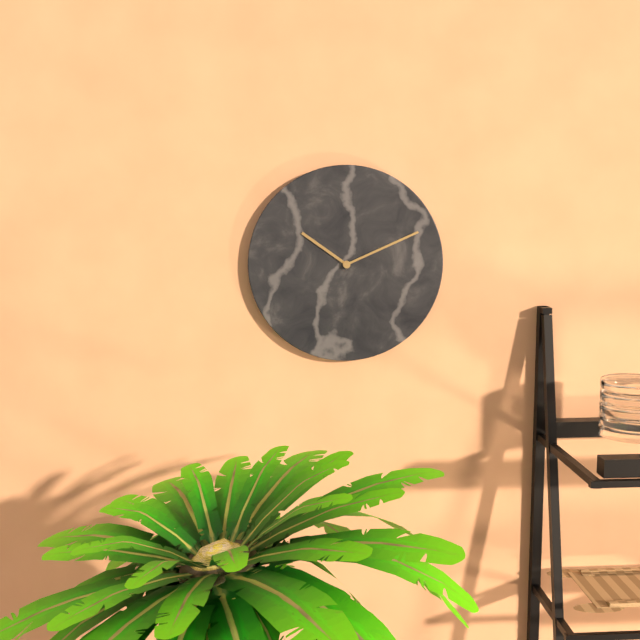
10:11
